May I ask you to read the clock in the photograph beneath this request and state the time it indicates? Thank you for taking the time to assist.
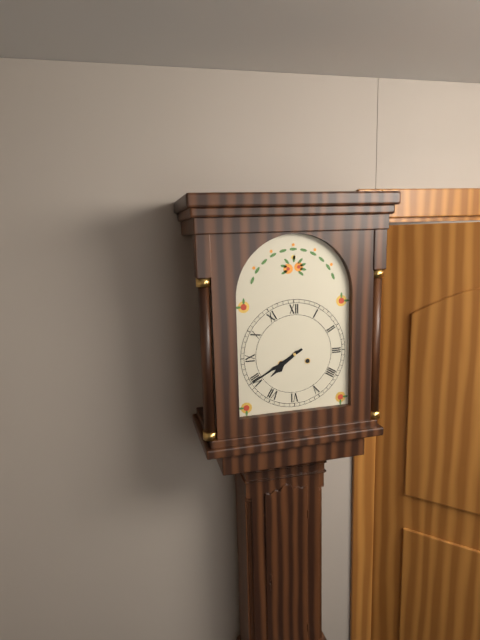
7:40
